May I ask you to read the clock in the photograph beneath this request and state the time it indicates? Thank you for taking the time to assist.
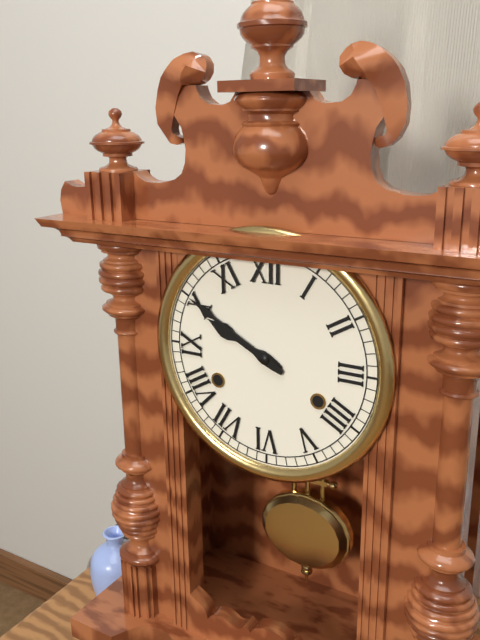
9:50
